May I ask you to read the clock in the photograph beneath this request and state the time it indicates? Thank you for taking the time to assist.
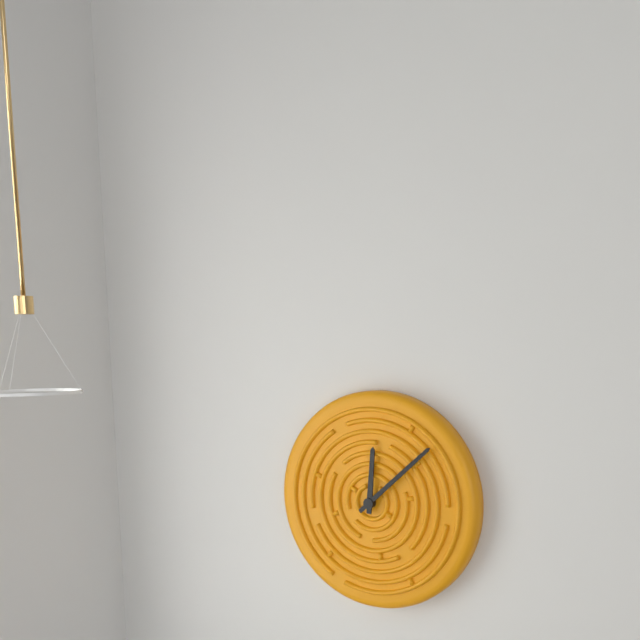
12:08
